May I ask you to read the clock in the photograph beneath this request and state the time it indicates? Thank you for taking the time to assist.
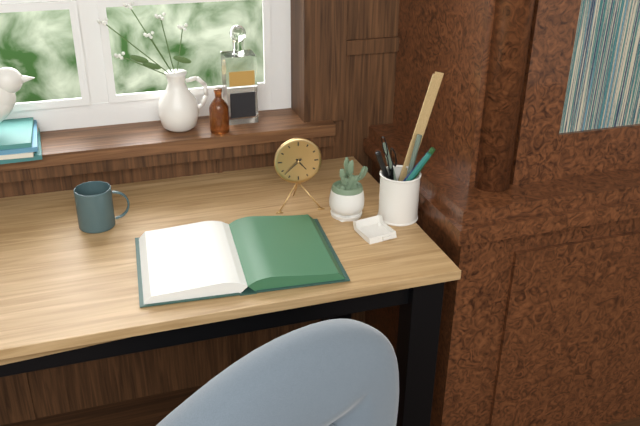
4:38
